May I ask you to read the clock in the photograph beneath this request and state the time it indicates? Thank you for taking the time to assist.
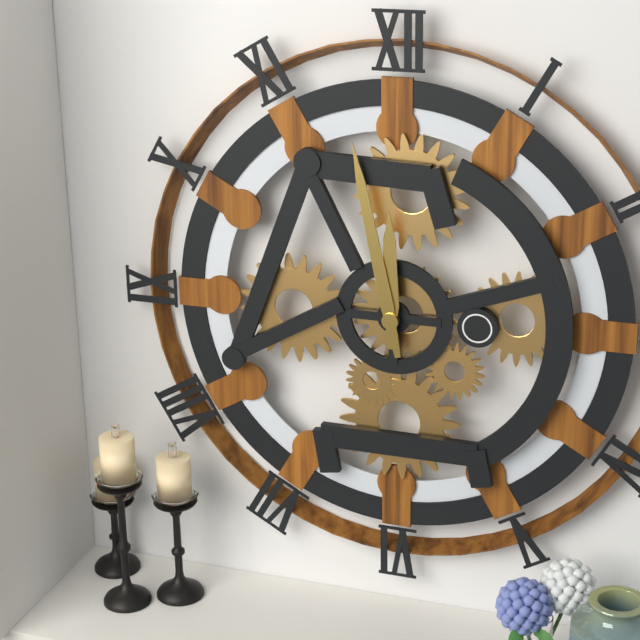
11:58
